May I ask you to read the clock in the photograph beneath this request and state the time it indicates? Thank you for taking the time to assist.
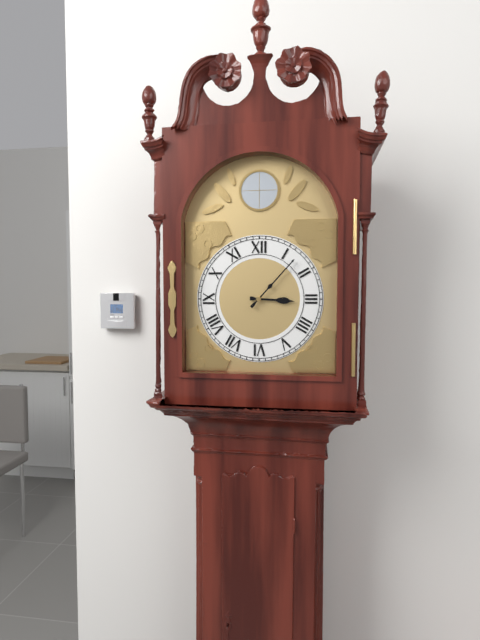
3:07
